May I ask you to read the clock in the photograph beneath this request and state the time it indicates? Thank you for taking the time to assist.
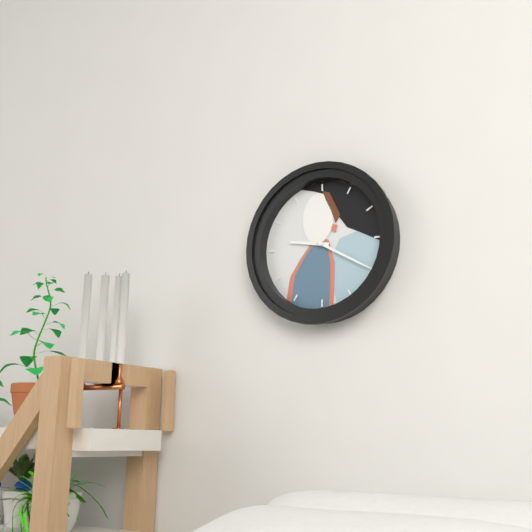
9:20
